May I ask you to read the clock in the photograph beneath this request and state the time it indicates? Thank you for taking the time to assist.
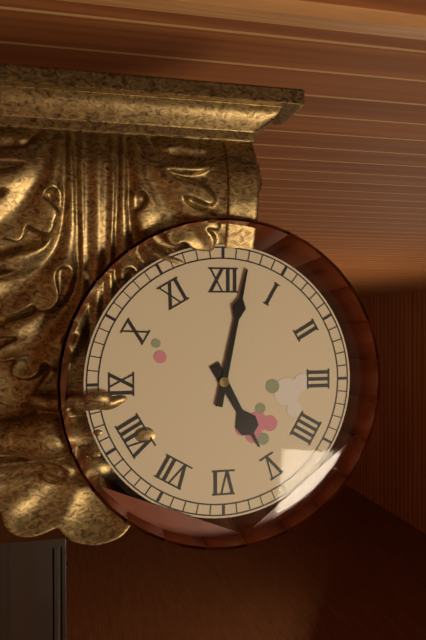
5:02
